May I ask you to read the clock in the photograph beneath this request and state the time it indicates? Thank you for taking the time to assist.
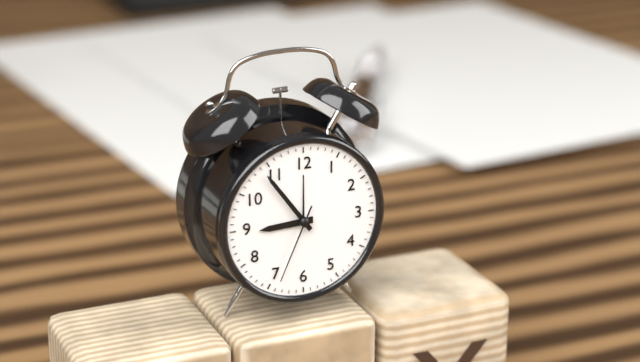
8:54:34
